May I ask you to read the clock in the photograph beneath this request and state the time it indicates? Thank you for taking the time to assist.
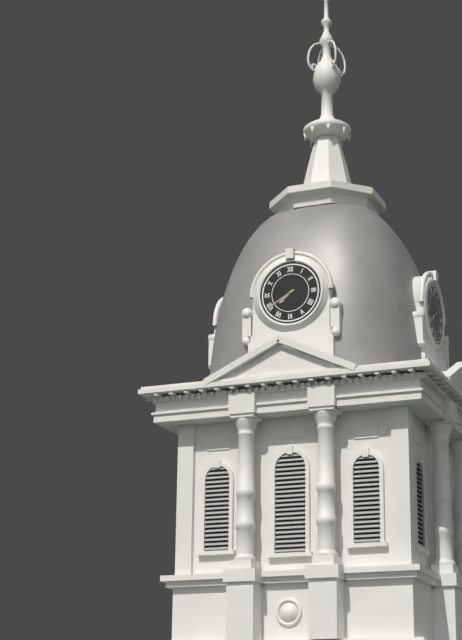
7:40
